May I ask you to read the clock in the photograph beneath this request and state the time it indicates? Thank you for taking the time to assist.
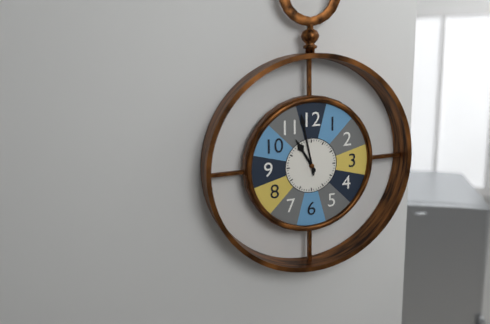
10:58
